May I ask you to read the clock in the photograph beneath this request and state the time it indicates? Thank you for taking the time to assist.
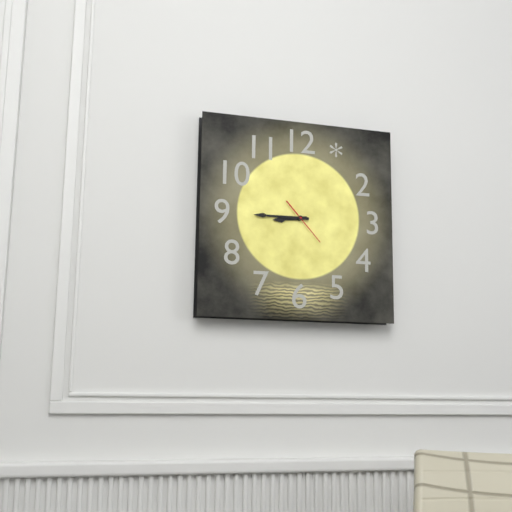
8:45
